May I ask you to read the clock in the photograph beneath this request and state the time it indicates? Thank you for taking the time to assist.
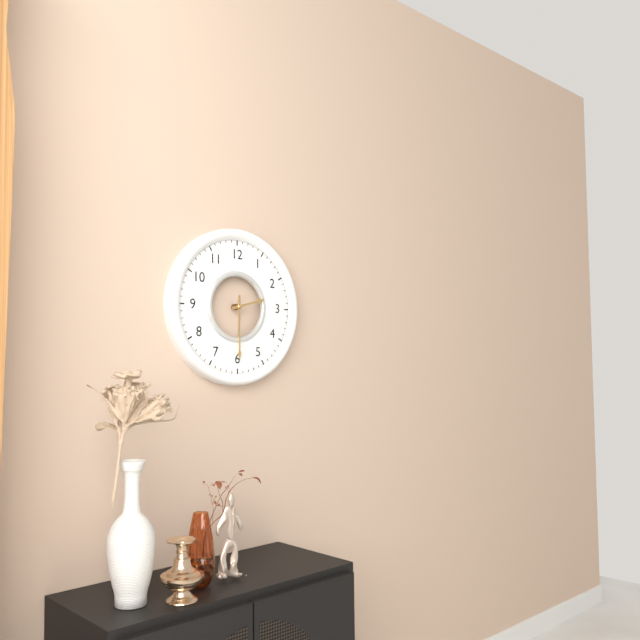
2:30
